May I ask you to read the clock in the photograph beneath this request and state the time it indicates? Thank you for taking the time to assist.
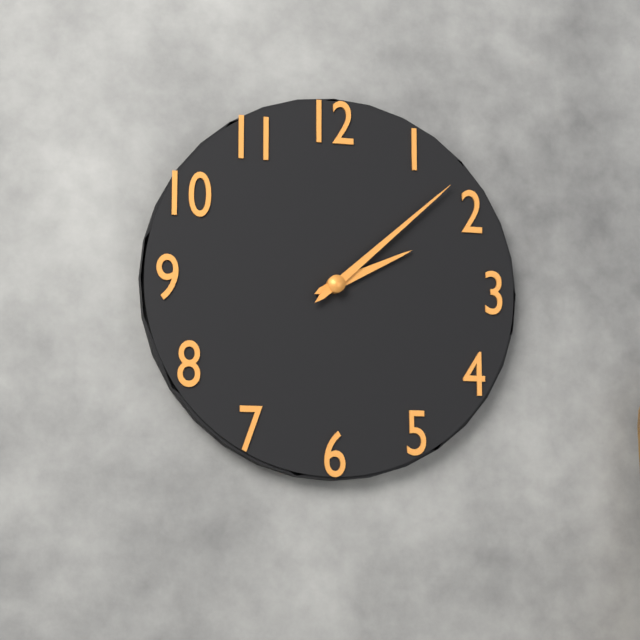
2:08
